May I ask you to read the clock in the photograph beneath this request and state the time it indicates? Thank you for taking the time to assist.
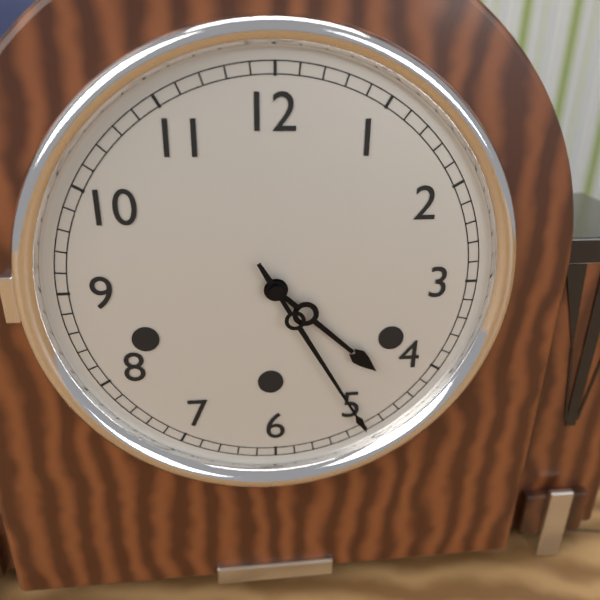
4:25
